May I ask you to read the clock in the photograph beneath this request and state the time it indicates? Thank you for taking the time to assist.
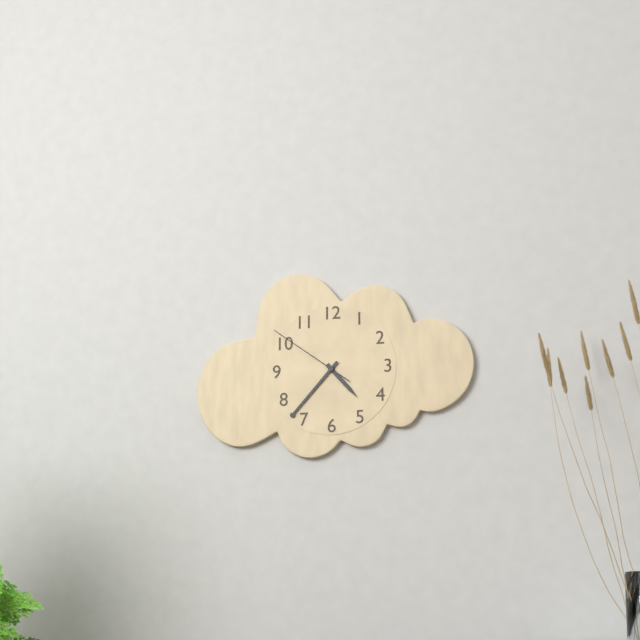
4:37:51
